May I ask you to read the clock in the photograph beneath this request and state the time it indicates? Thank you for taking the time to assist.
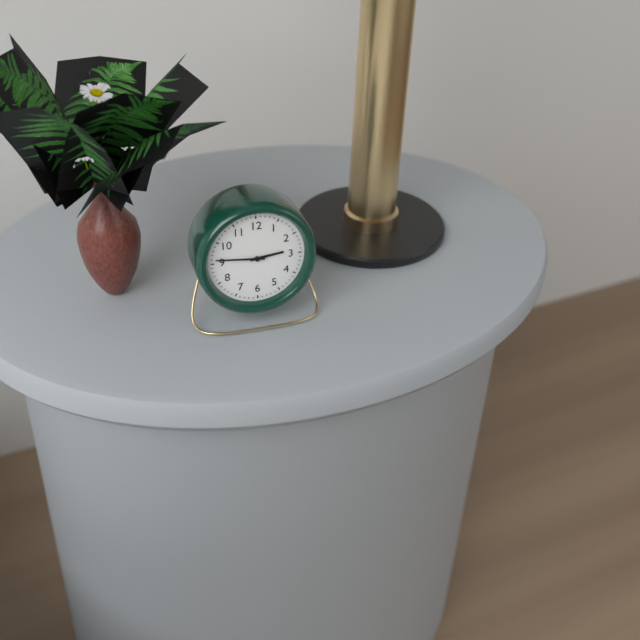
2:46
